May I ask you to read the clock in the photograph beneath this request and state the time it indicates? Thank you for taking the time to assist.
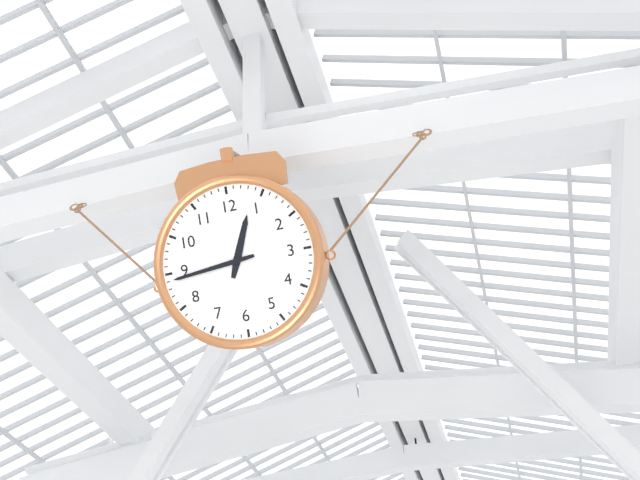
12:44
